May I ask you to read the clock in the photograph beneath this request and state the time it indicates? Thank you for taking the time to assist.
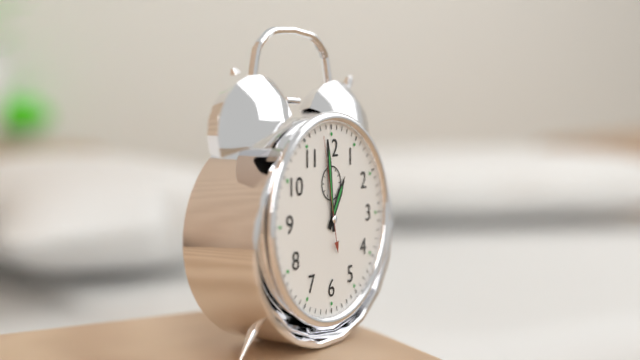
12:59:58
